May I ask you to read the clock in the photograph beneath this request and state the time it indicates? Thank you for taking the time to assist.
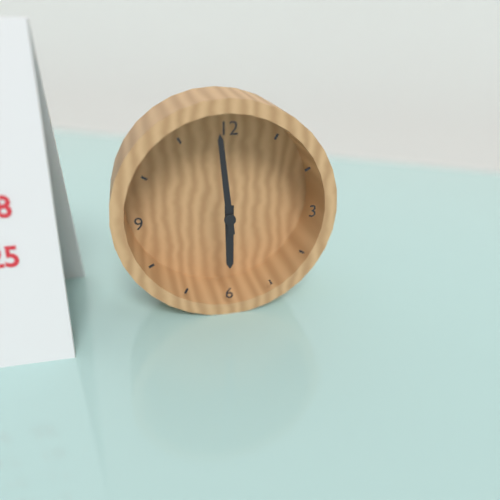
5:59
